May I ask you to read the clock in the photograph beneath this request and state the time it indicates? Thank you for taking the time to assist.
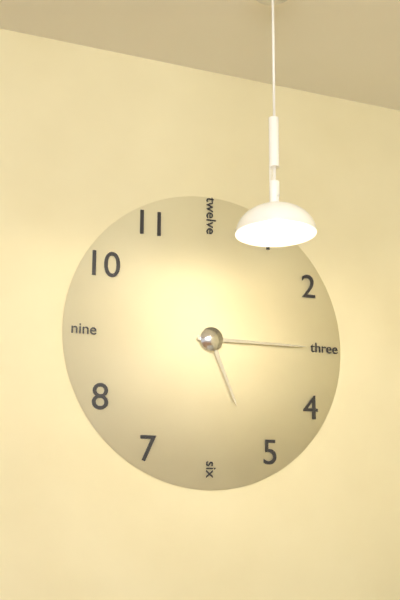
5:15
